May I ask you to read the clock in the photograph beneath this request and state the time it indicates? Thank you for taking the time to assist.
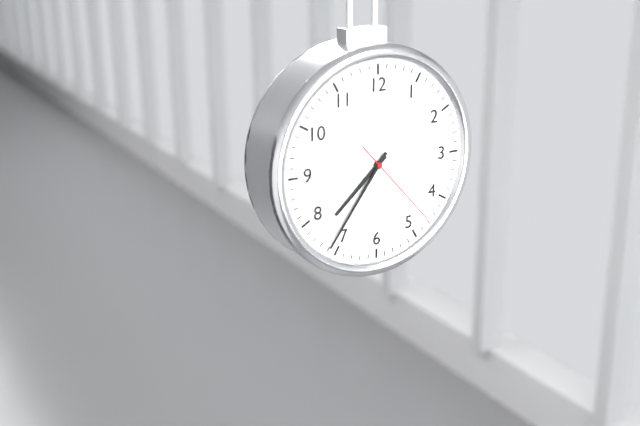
7:36:23
